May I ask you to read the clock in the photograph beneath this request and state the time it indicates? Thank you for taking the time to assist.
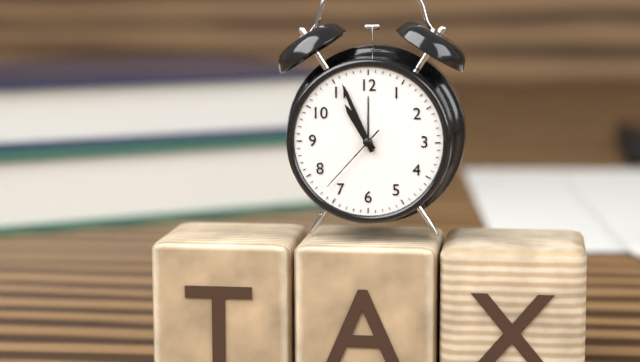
10:56:37
